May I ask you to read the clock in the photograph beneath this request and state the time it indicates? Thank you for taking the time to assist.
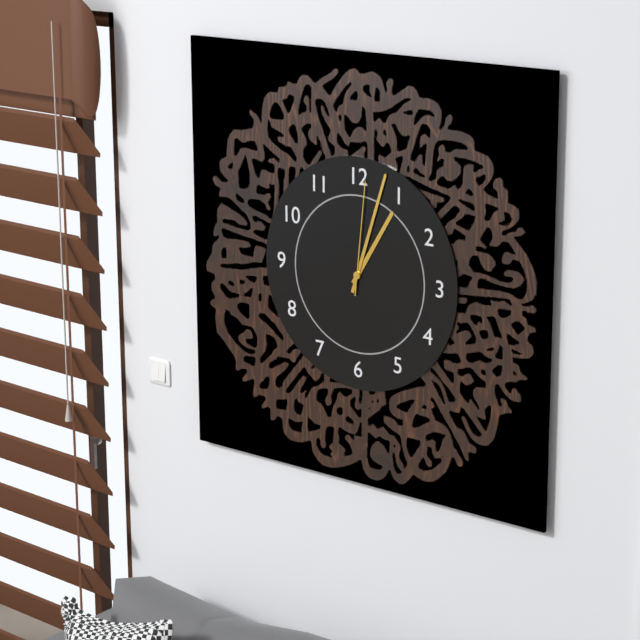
1:03:01
